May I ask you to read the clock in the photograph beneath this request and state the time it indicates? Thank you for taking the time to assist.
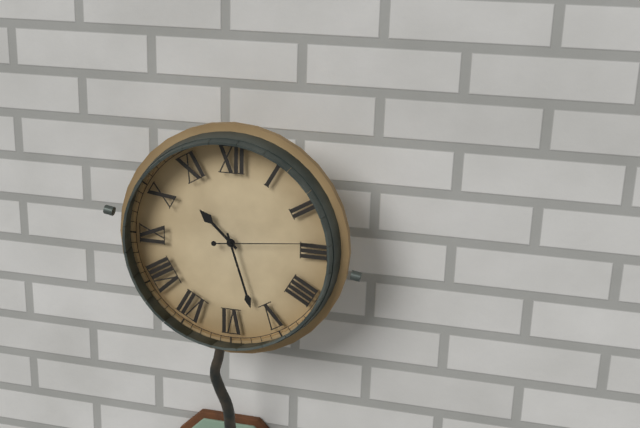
10:27:14
